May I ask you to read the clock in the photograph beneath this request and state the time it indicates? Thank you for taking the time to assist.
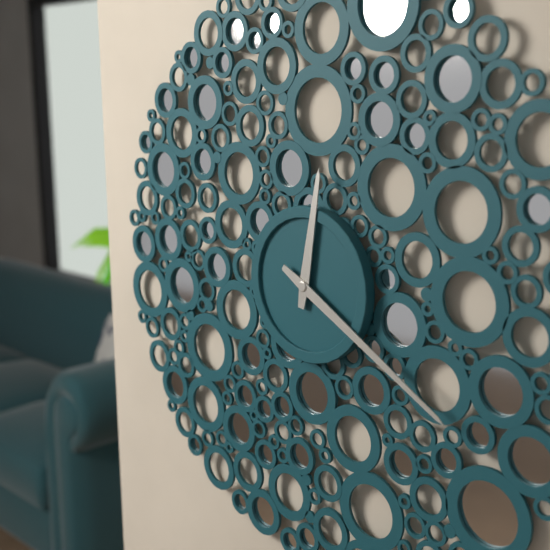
12:20
